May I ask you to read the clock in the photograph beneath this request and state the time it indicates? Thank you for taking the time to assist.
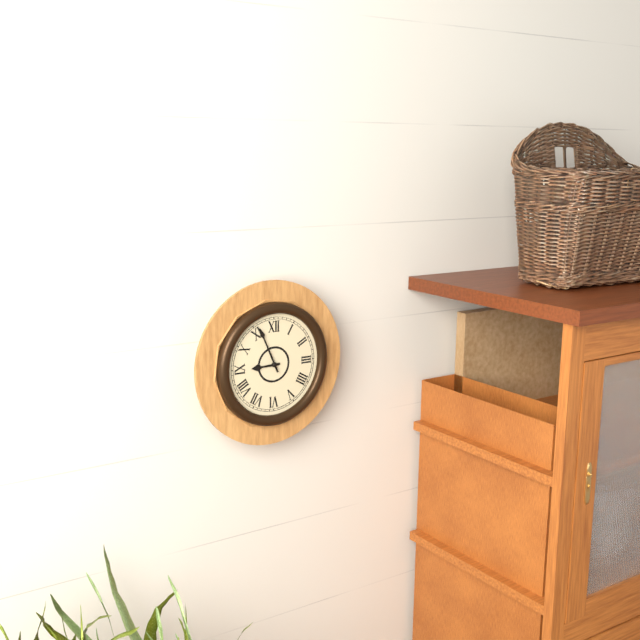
8:56
